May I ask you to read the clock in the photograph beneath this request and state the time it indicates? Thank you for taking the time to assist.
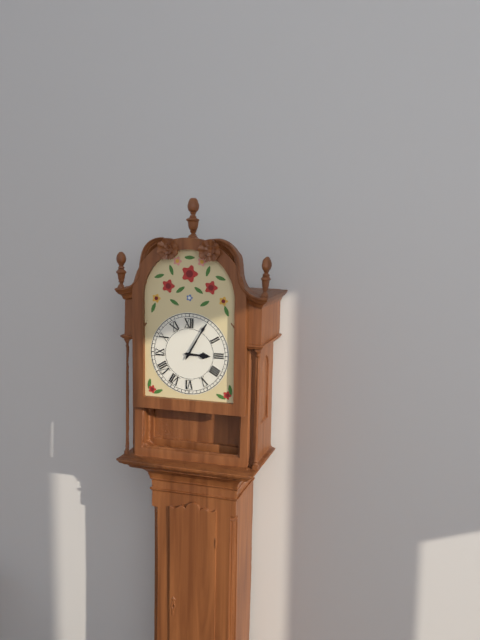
3:05
